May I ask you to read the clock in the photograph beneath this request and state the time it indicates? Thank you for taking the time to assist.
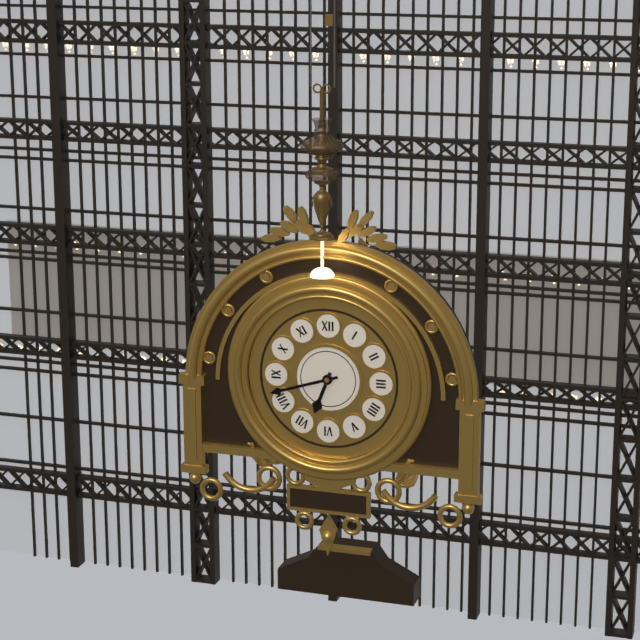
6:42
